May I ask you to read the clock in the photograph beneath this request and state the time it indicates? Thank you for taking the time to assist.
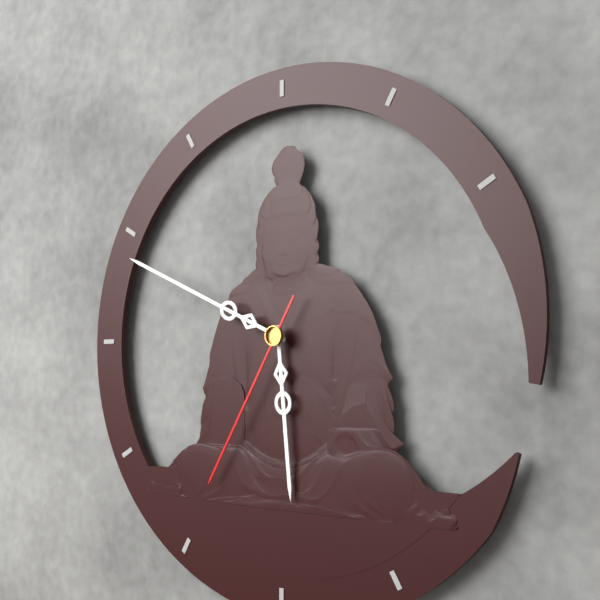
5:49:35
